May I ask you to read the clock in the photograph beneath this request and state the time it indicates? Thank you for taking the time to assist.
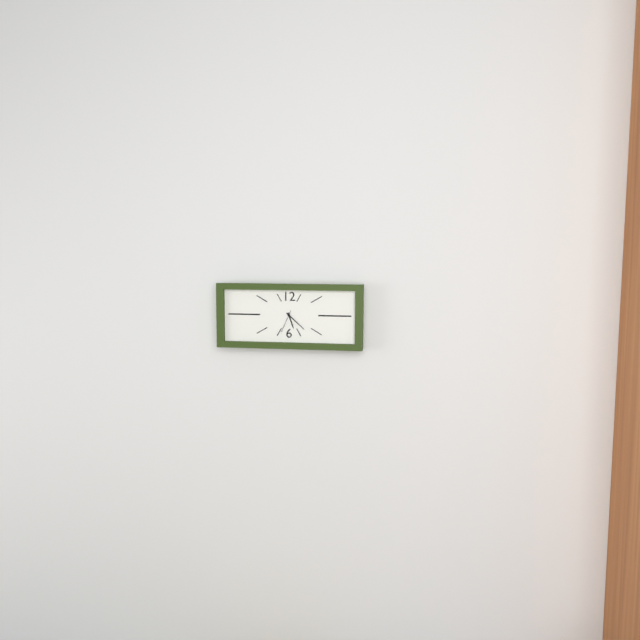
5:22
